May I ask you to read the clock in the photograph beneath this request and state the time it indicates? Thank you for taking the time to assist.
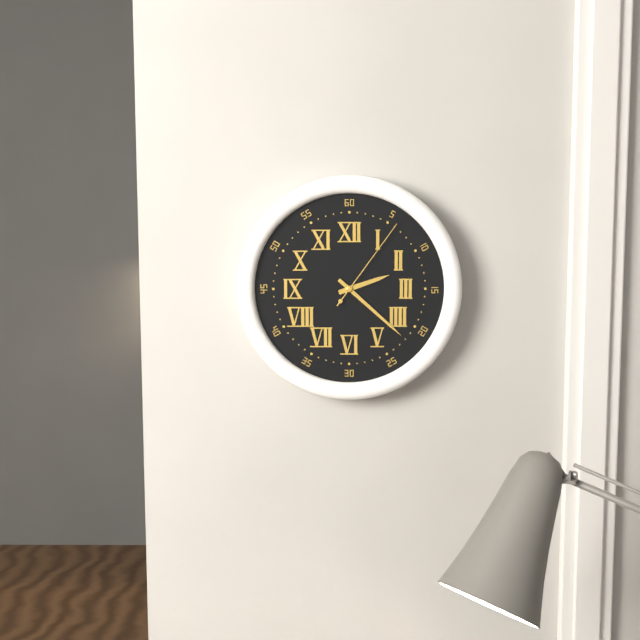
2:22:06
